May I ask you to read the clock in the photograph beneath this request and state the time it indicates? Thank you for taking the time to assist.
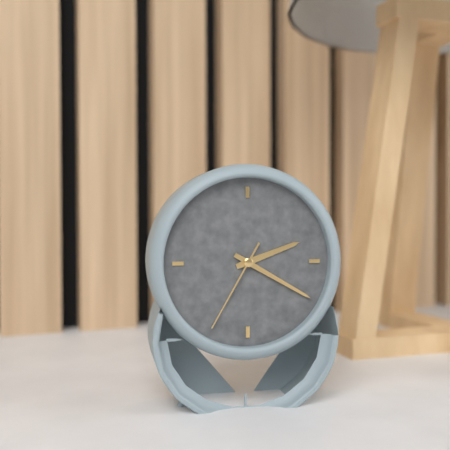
2:20:35
